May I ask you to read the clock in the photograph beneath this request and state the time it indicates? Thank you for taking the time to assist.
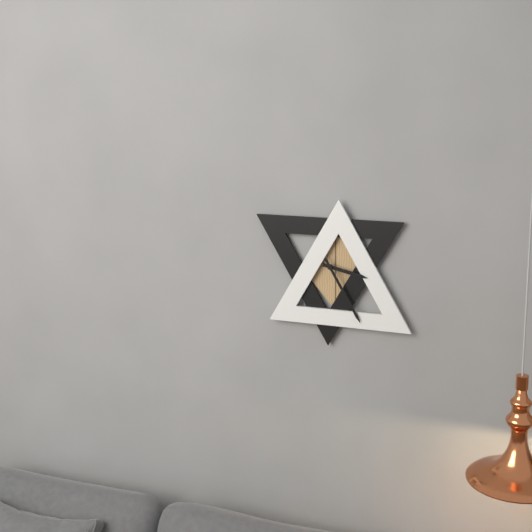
3:25
